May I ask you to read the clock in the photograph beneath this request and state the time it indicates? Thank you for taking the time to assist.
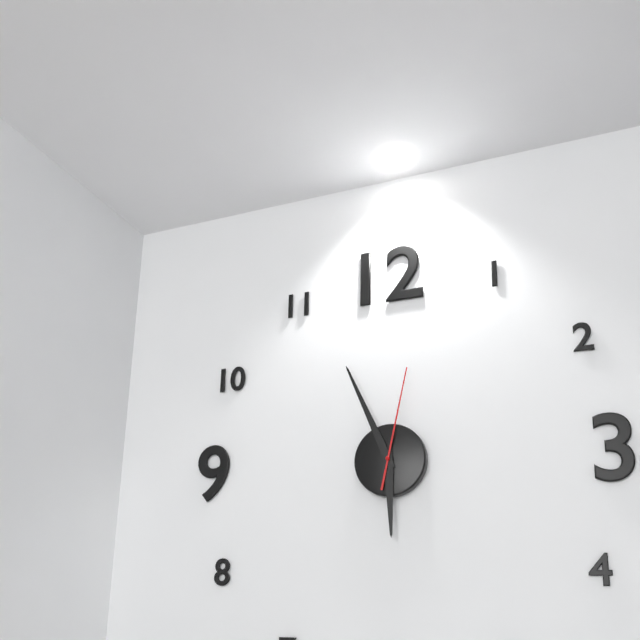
5:56:02
